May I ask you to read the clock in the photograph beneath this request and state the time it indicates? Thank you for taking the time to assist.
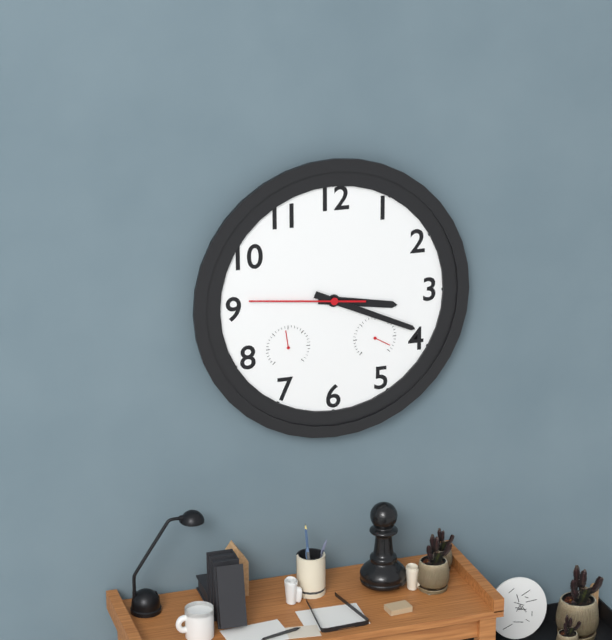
3:19:46
